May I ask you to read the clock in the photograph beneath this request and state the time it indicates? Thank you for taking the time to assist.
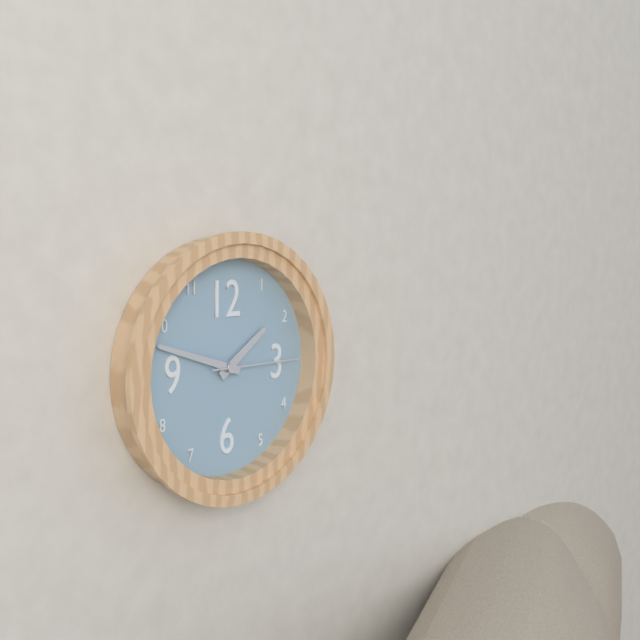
1:48:15
